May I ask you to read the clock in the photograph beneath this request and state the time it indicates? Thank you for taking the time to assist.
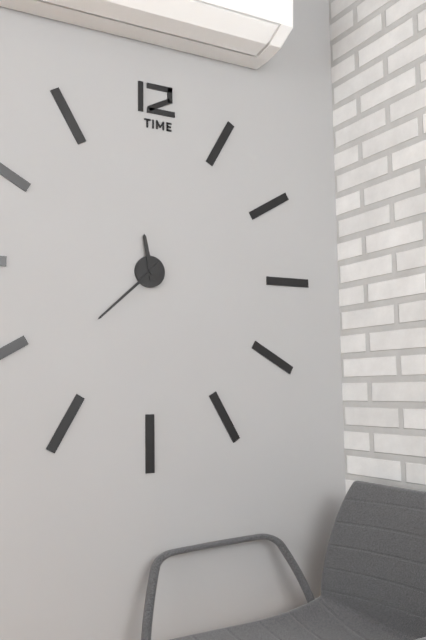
11:38
